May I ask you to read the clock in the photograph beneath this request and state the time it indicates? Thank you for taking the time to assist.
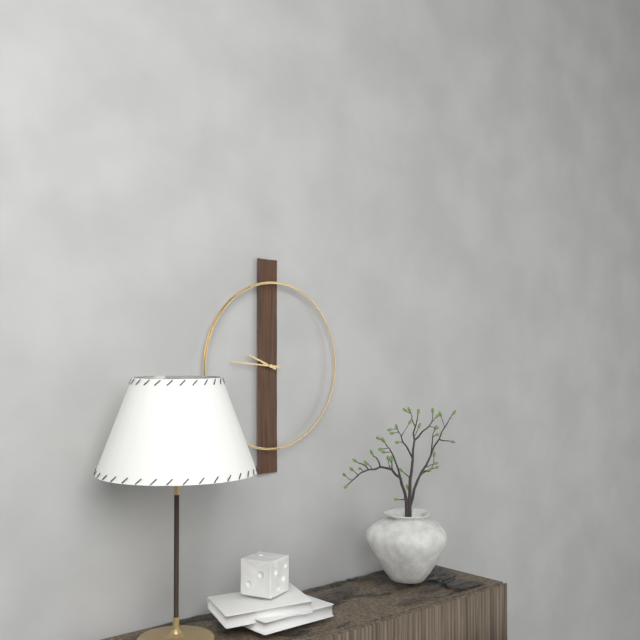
9:46
